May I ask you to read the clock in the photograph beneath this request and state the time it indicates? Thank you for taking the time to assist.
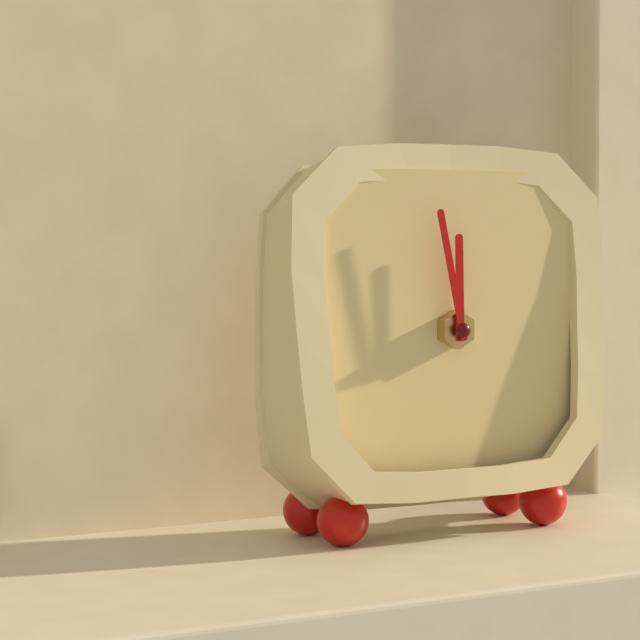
11:58
